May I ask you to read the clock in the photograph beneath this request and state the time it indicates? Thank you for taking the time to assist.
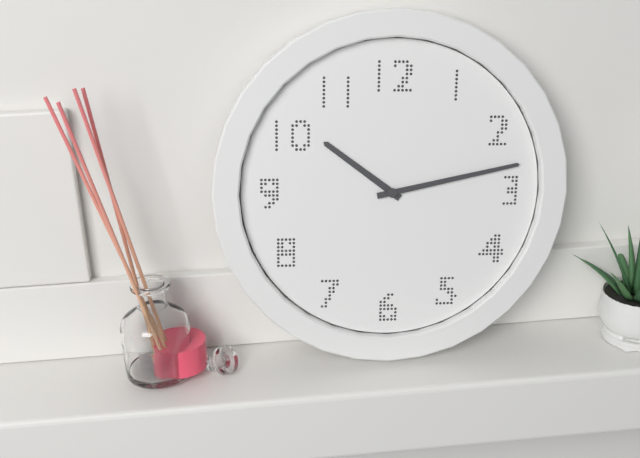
10:13
